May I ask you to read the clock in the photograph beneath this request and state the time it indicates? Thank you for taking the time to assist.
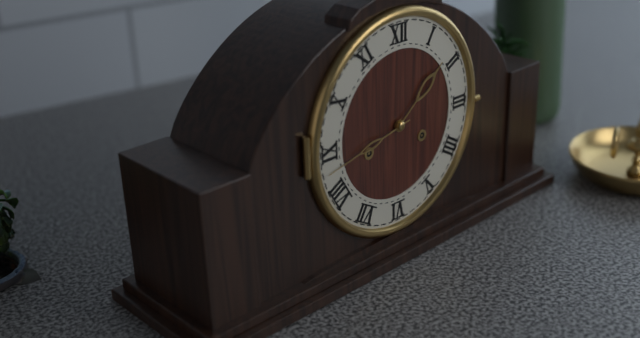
1:43
